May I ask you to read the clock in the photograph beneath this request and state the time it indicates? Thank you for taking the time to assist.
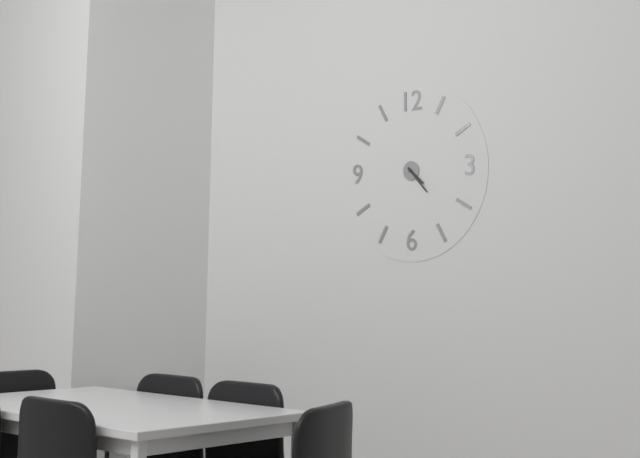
4:23
